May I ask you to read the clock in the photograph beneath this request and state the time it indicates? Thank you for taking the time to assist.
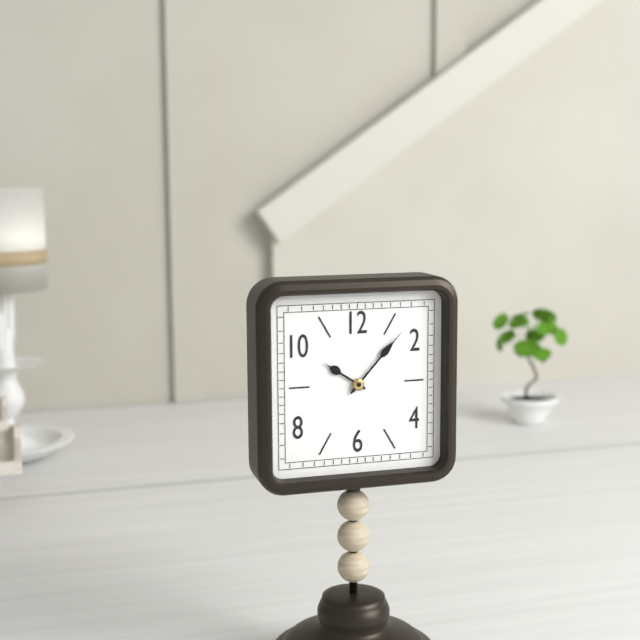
10:07
